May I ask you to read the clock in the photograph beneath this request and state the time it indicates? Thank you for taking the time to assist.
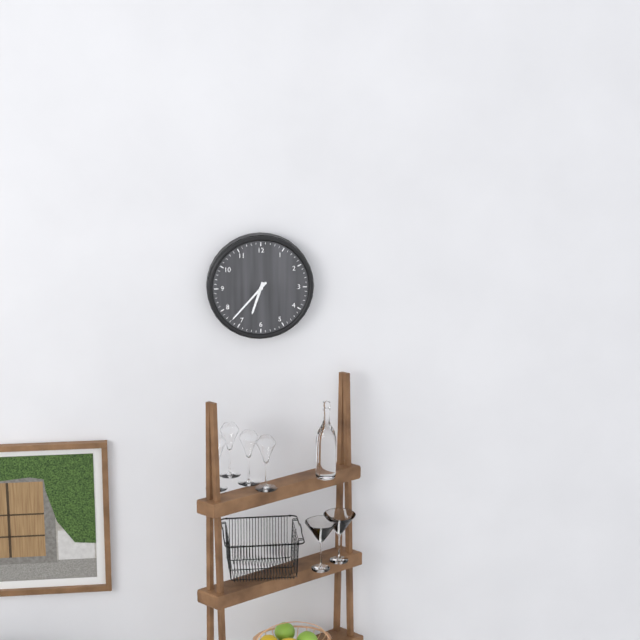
6:37
